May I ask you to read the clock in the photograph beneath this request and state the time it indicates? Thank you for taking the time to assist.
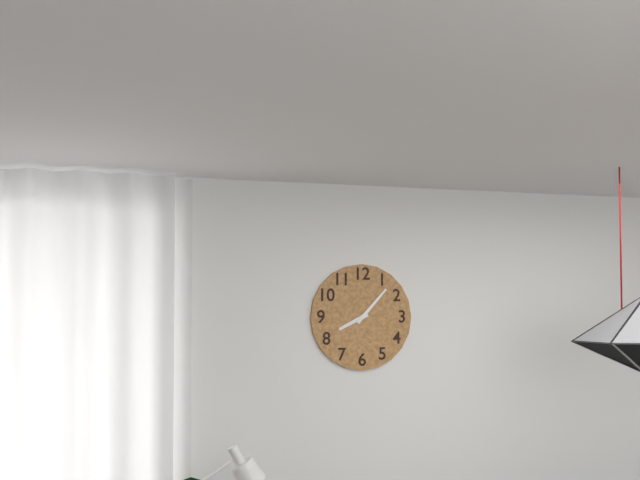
8:07
